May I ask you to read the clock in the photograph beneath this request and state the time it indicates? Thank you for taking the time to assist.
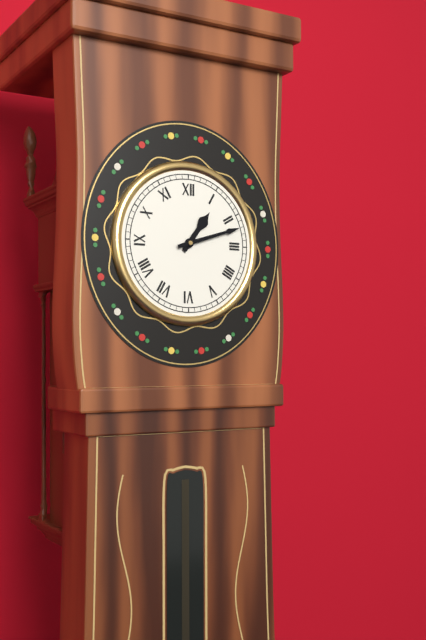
1:12
